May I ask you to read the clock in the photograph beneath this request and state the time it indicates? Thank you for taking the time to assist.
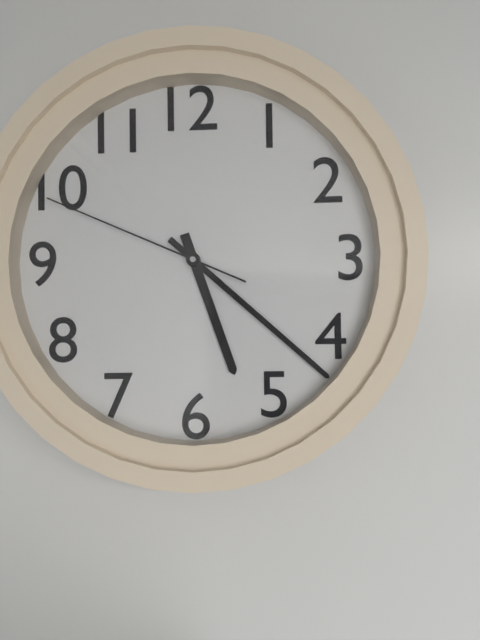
5:22:49
